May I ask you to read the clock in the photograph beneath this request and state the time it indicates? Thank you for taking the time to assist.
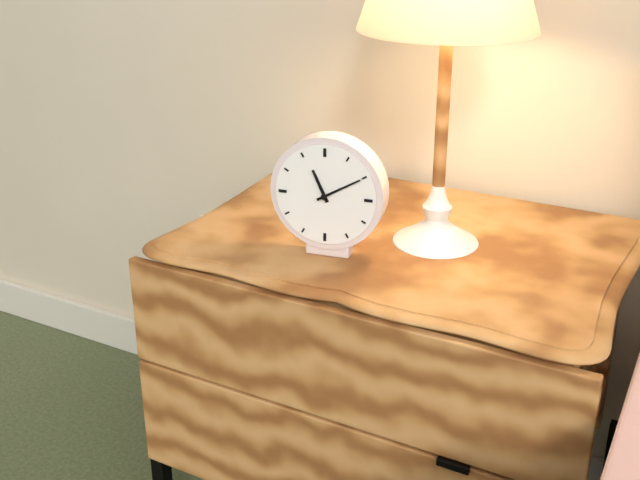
11:10
